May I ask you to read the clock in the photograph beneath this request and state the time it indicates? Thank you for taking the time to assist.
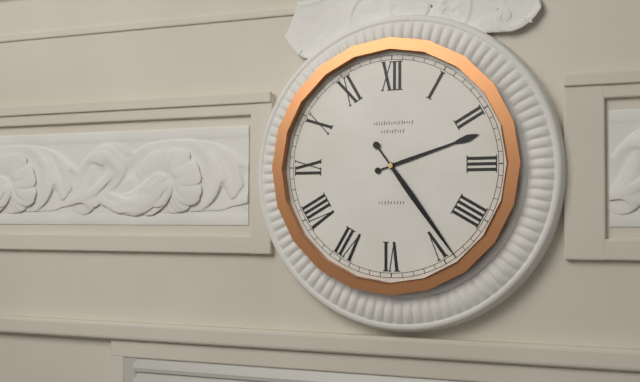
2:24
